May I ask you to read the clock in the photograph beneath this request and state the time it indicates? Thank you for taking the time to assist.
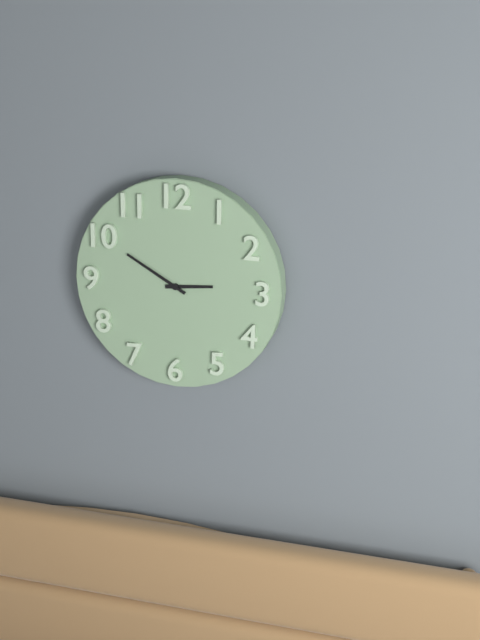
2:50
